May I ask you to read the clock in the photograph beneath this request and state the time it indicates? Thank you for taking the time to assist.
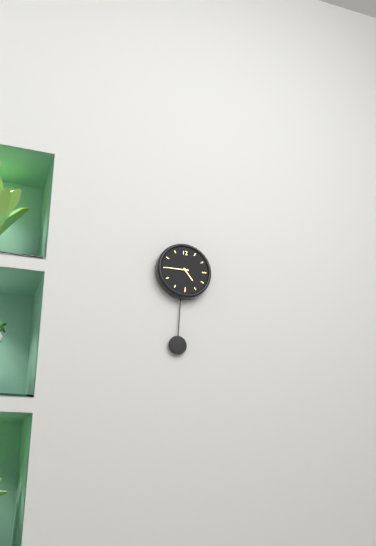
4:45
